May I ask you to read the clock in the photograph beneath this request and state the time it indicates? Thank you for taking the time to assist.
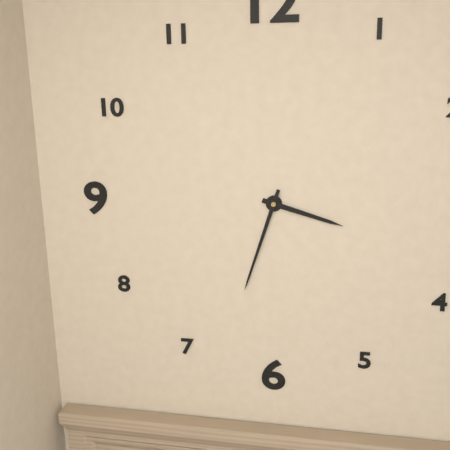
3:33
